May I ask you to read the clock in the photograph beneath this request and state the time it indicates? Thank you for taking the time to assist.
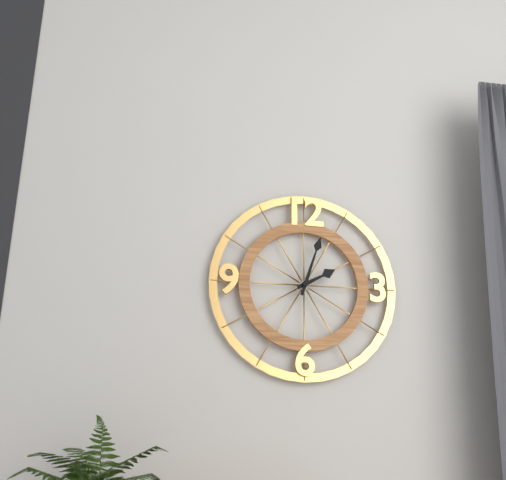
2:03
